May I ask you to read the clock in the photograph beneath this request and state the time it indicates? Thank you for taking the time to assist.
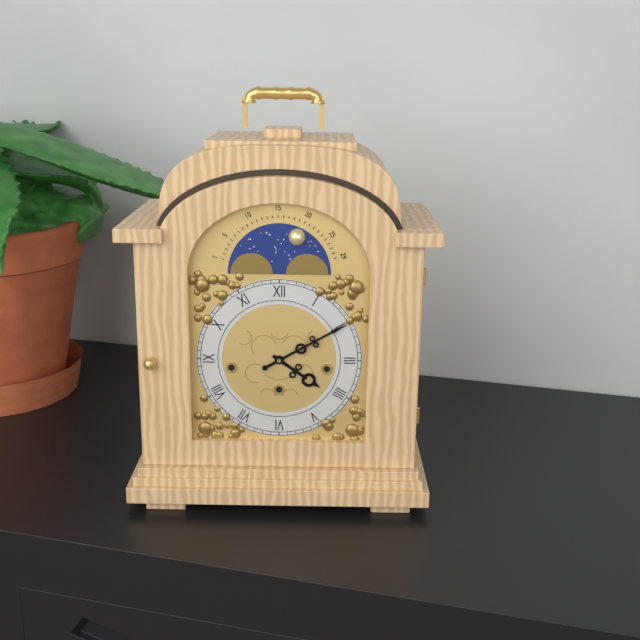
4:10
